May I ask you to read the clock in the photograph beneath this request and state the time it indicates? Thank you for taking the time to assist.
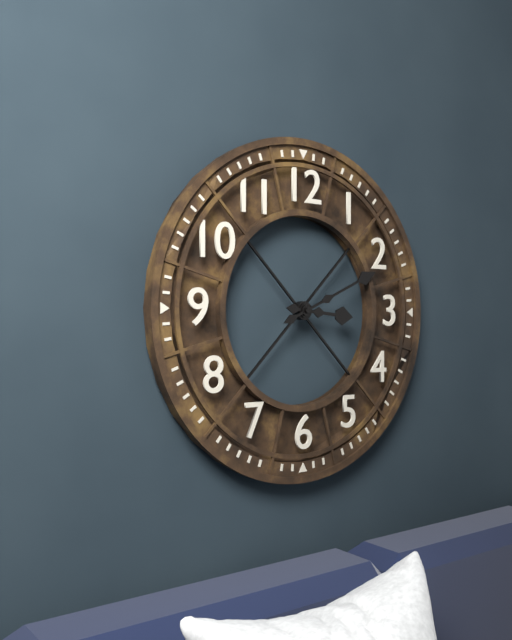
3:11
